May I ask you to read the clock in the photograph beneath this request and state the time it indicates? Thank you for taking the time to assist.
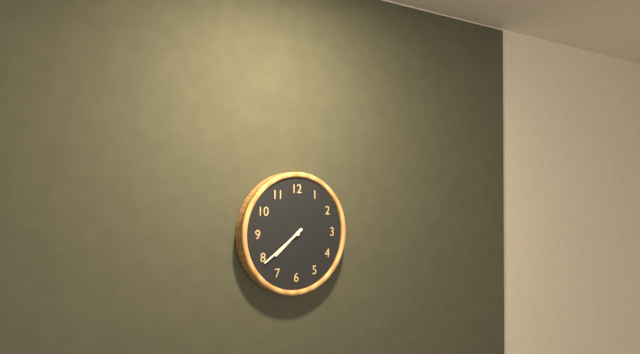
7:39
